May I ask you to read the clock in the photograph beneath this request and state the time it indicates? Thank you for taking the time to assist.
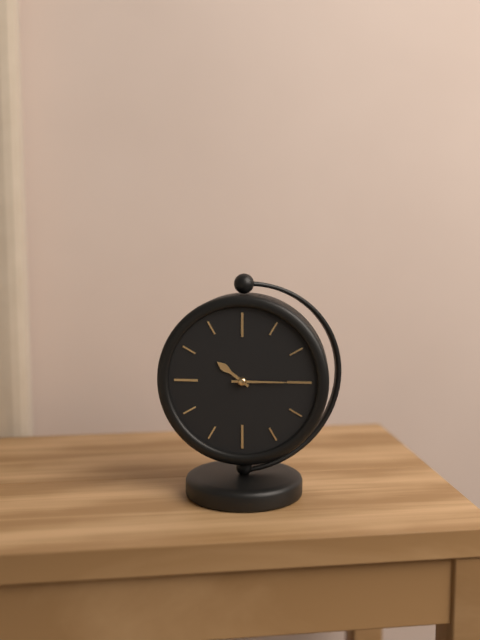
10:15
